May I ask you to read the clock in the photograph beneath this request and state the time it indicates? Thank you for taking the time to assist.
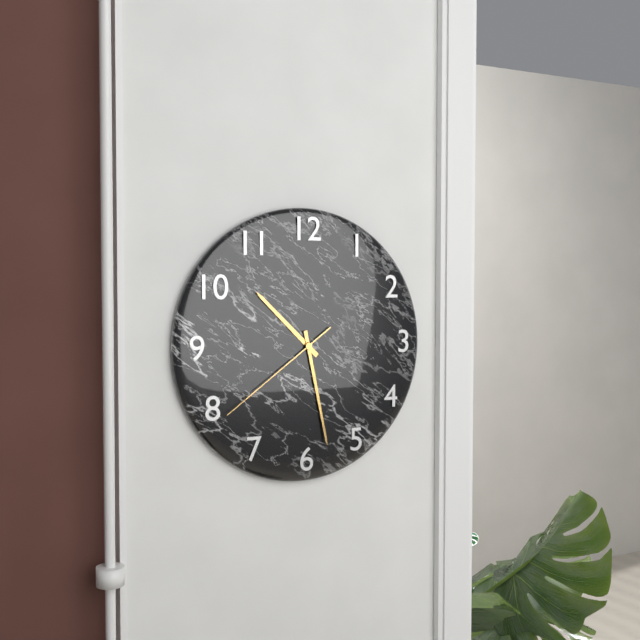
10:28:39
